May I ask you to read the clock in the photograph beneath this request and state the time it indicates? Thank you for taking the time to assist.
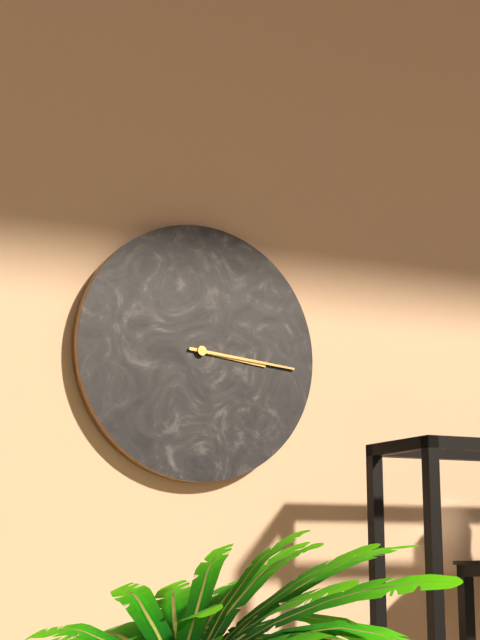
3:16
